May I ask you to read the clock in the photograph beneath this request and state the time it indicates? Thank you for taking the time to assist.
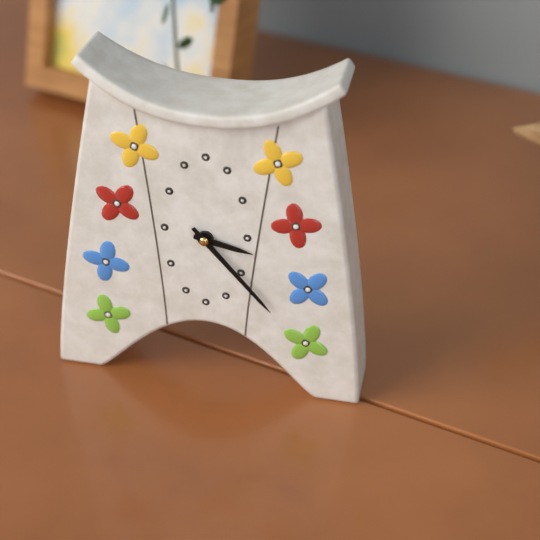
3:23
